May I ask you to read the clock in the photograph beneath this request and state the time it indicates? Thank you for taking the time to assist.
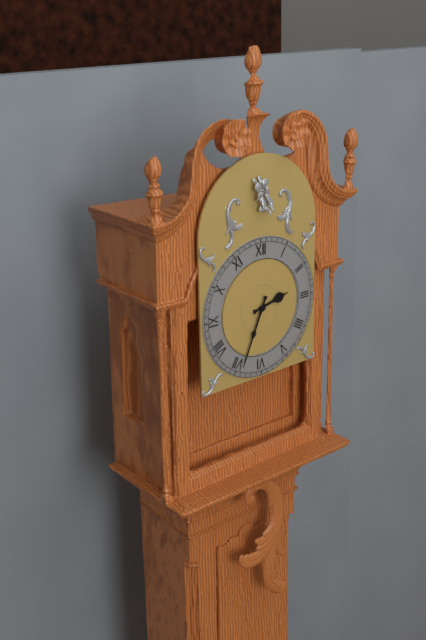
2:34
